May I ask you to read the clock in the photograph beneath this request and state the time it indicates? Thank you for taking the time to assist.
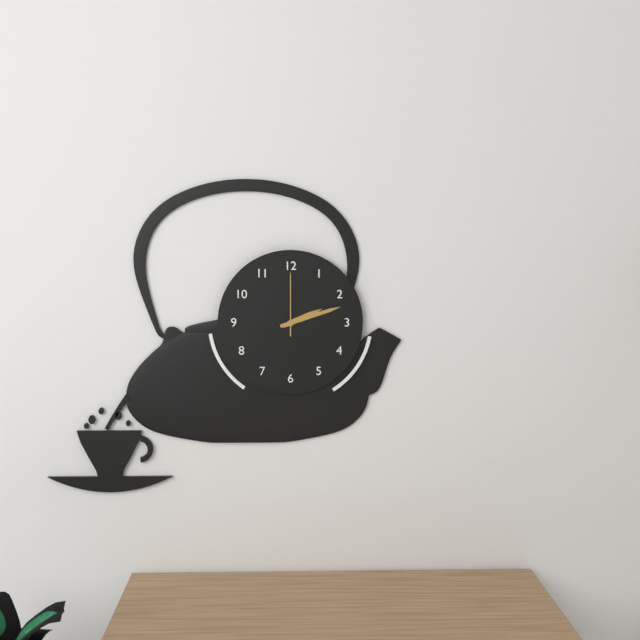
2:12:00
